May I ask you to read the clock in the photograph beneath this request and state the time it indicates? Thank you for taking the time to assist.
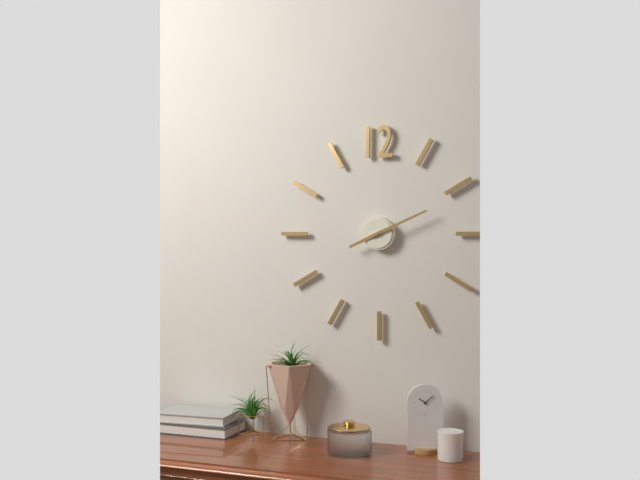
8:11
